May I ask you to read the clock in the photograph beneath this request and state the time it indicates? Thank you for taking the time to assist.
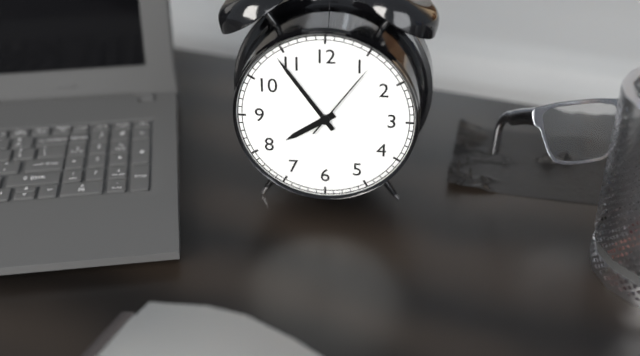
7:54:06
